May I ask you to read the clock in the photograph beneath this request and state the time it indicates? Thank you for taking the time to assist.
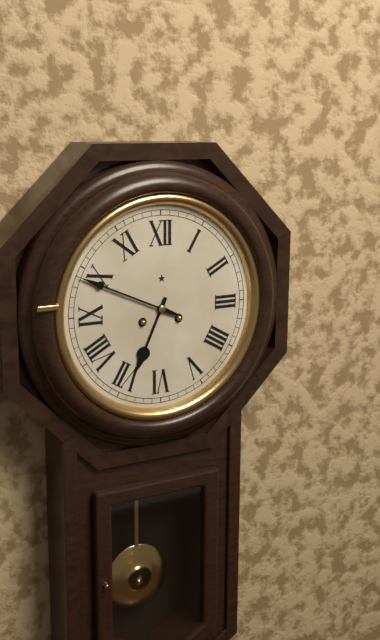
6:49
